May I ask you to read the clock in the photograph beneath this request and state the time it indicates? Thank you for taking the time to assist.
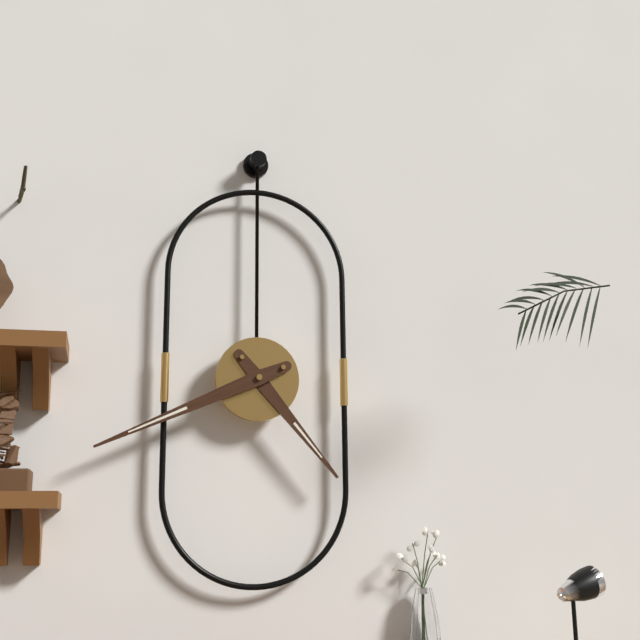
4:41
